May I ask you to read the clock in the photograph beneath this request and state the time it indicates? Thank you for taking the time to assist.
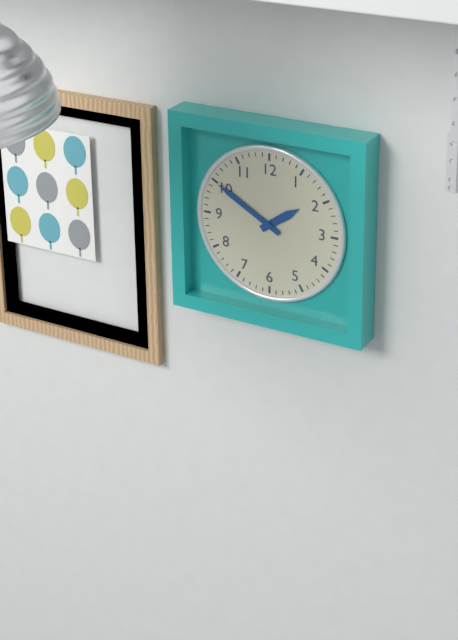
1:50
